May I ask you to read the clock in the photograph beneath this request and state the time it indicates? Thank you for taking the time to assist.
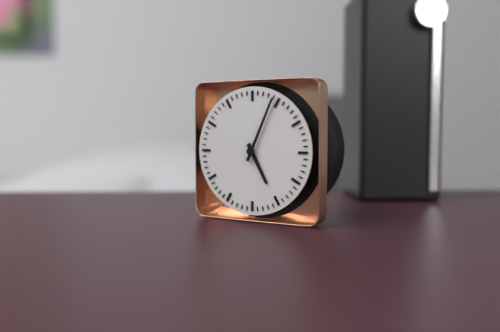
5:04
